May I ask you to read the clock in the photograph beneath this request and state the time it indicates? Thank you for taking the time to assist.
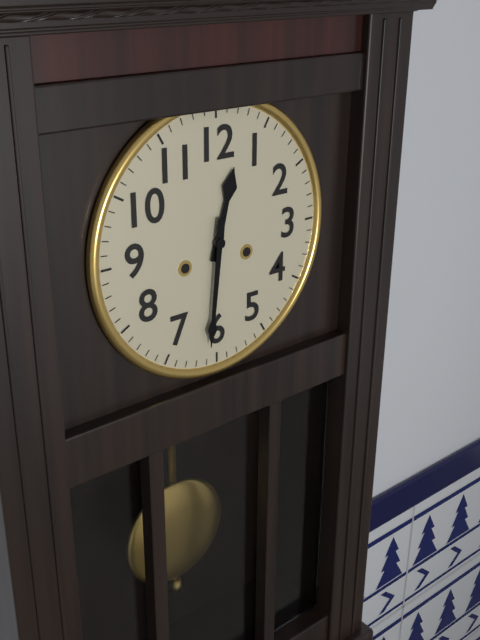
12:31
